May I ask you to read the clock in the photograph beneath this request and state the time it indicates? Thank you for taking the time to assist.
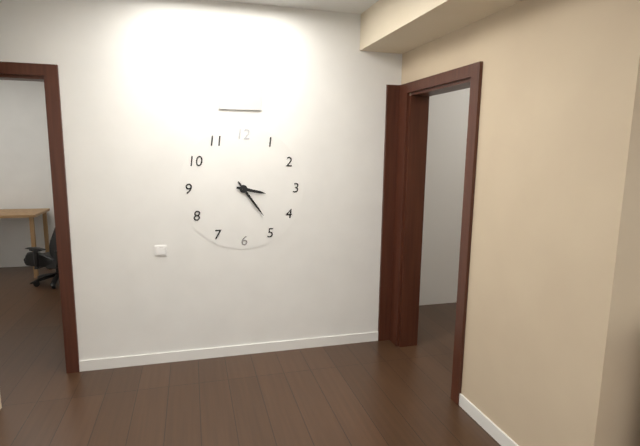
3:24
